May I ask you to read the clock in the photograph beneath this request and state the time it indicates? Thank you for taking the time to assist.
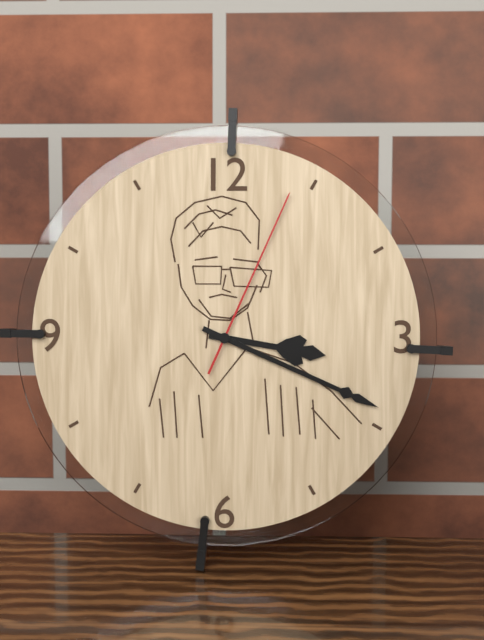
3:19:04
